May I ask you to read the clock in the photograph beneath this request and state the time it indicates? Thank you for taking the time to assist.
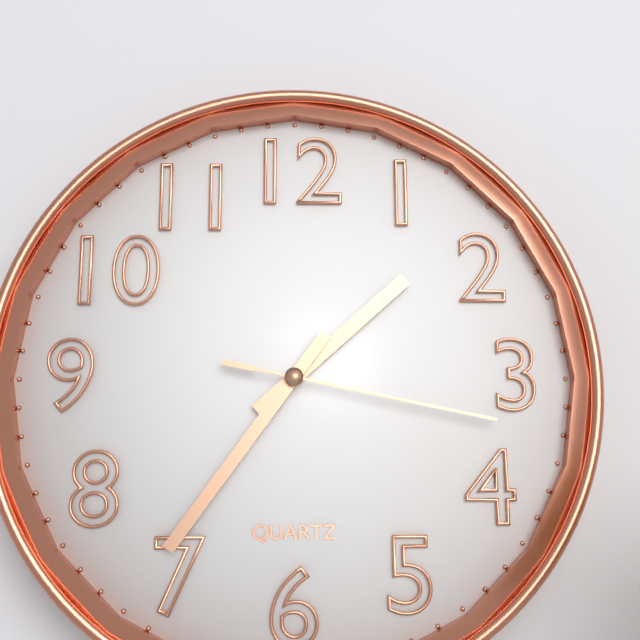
1:36:17
